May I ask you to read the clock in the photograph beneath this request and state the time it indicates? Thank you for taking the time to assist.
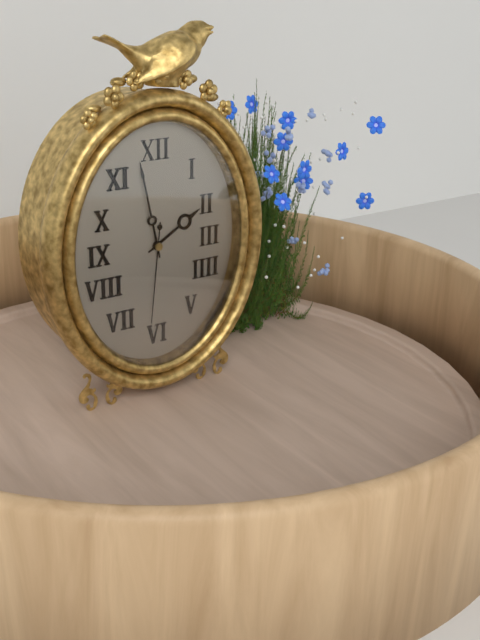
1:58:31
